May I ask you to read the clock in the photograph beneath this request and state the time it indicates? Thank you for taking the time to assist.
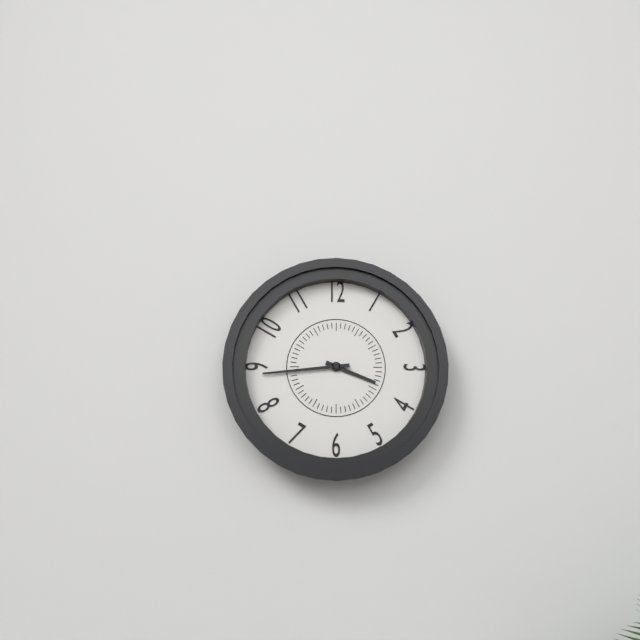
3:44
